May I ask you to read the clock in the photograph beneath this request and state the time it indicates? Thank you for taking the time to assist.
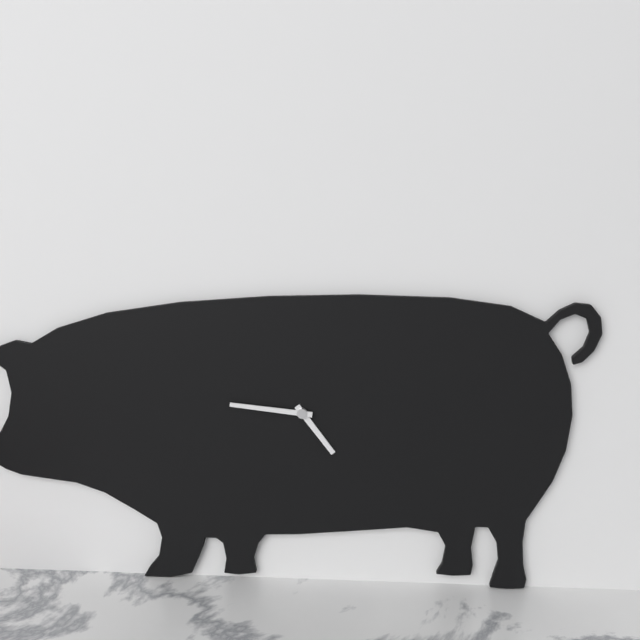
4:46
